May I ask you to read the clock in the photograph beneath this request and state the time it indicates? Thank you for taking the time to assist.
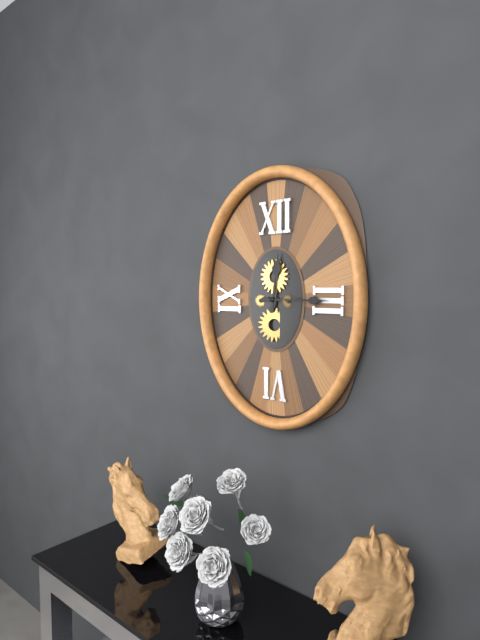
12:15
